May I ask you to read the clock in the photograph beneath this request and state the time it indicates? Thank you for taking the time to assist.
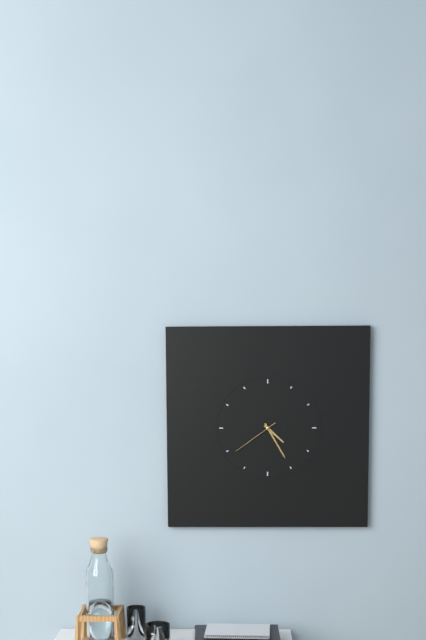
4:25:39
